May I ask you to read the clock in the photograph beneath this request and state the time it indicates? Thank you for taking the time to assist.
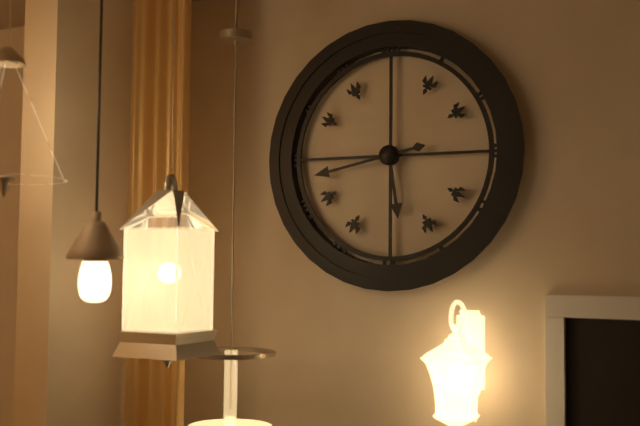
5:43
